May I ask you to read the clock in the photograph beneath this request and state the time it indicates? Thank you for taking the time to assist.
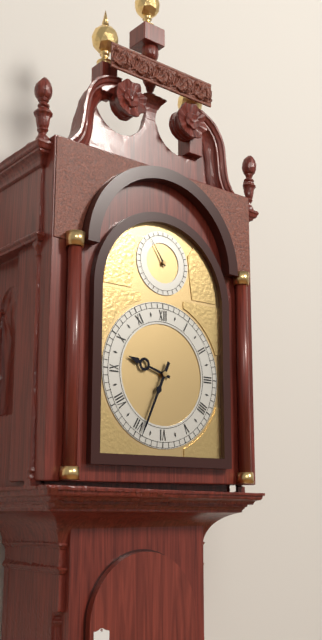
9:34
